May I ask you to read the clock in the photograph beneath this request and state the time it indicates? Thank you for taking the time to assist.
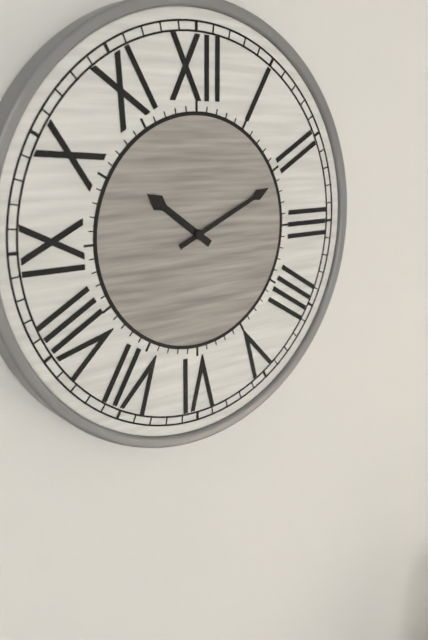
10:11
